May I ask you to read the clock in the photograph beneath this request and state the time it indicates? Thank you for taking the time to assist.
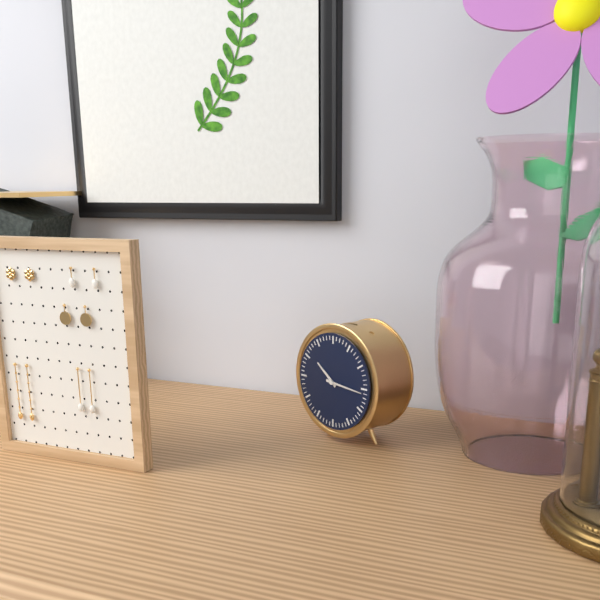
10:16
